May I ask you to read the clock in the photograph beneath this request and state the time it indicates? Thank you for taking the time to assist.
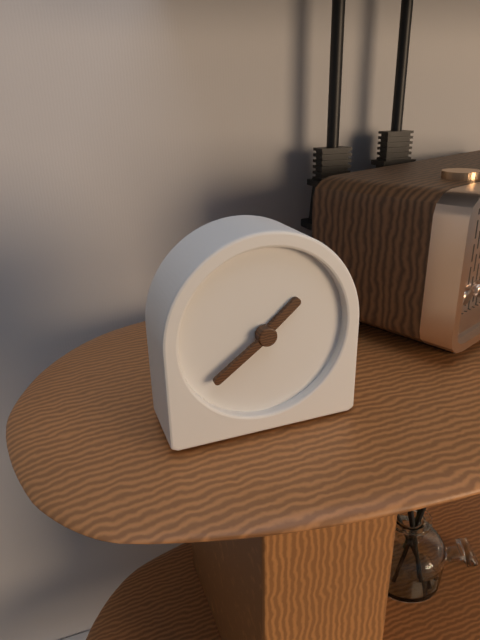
1:39
